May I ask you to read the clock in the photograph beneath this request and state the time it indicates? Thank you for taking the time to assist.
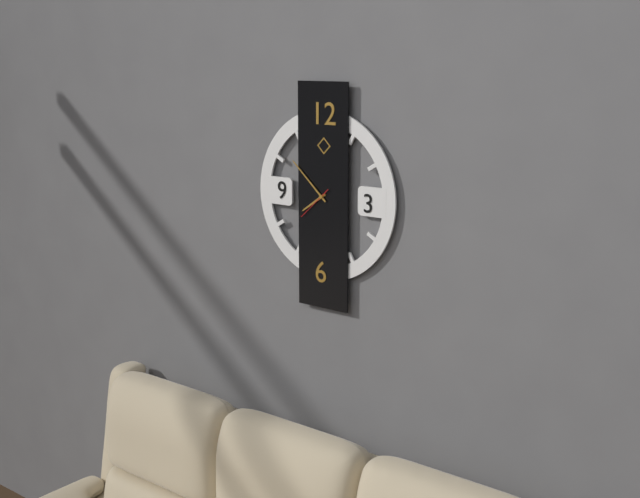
7:52
